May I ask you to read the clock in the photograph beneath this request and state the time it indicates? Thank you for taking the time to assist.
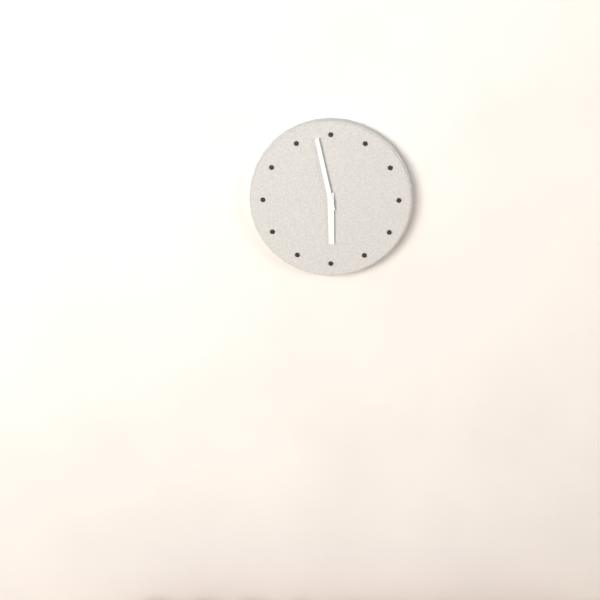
5:58
